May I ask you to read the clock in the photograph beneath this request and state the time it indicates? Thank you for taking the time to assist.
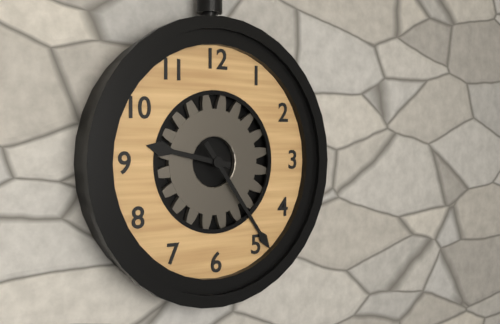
9:24
